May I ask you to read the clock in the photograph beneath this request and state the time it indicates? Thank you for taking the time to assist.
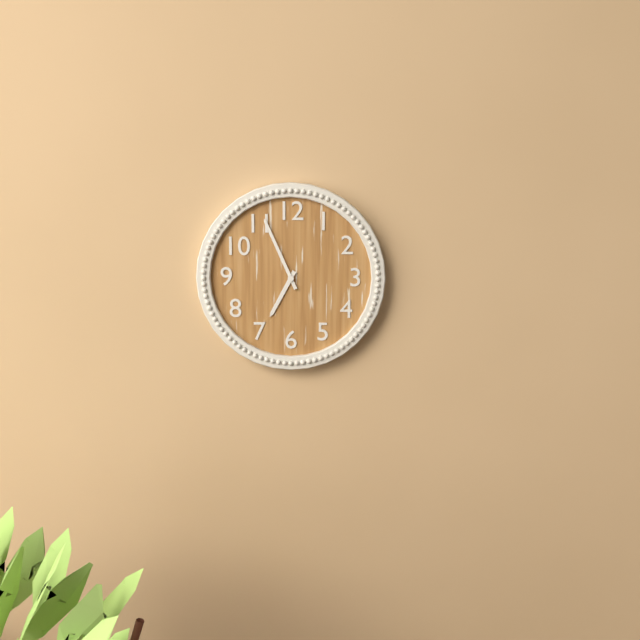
6:56
